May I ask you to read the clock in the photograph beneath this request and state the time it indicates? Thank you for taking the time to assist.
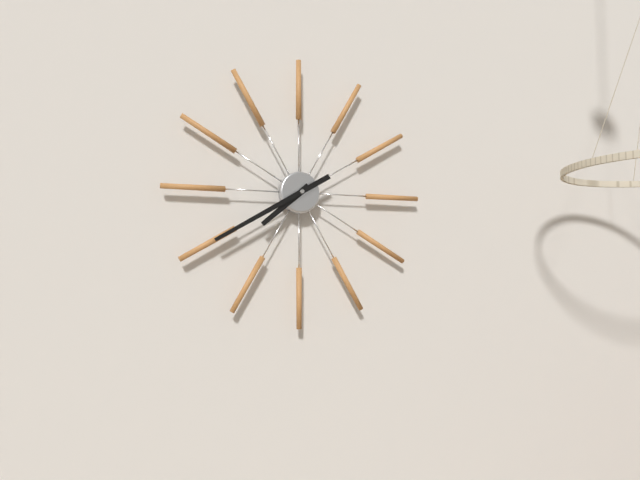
7:40
